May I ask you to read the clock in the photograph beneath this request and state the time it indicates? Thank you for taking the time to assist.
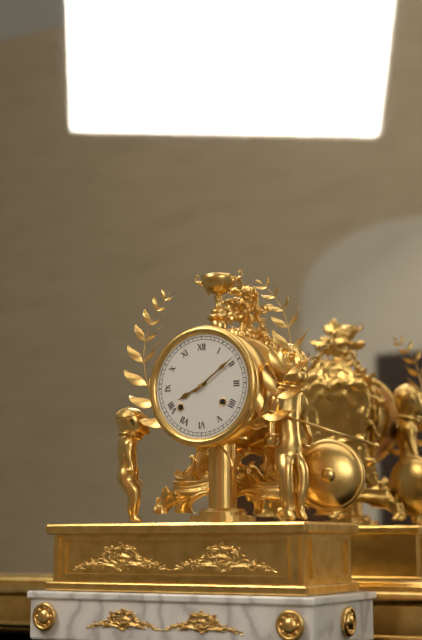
8:09
